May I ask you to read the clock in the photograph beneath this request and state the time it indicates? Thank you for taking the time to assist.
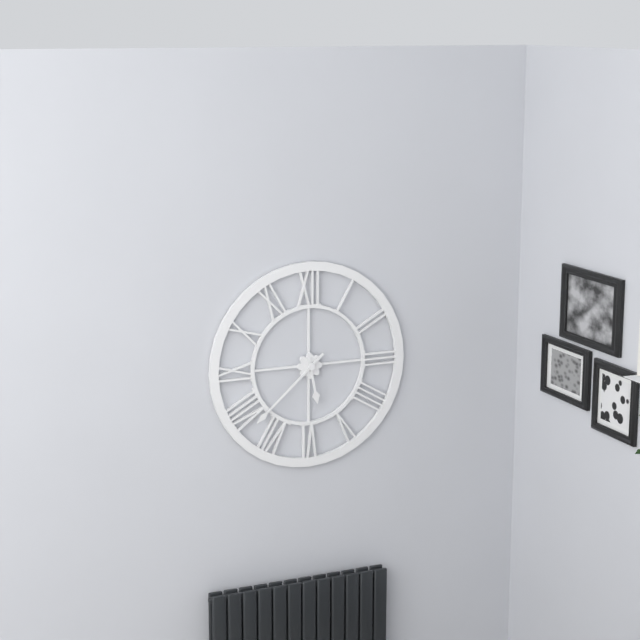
5:38
